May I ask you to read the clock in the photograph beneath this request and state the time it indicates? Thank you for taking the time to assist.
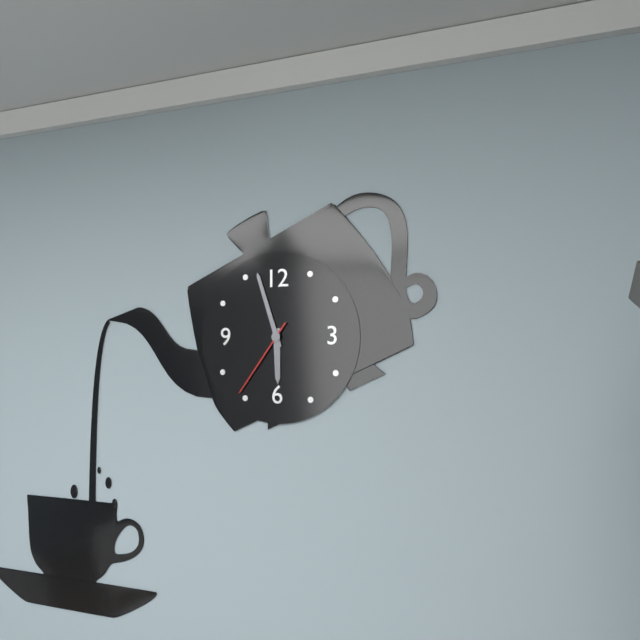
5:57:36
